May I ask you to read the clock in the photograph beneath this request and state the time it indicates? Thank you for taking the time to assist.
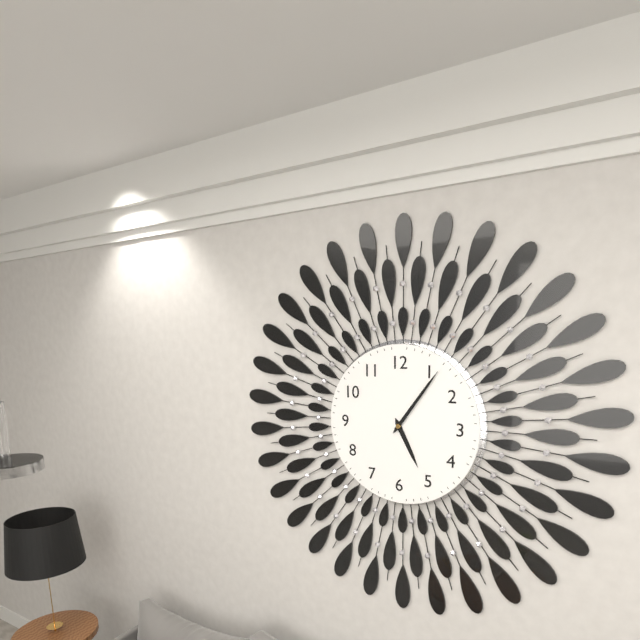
5:06
